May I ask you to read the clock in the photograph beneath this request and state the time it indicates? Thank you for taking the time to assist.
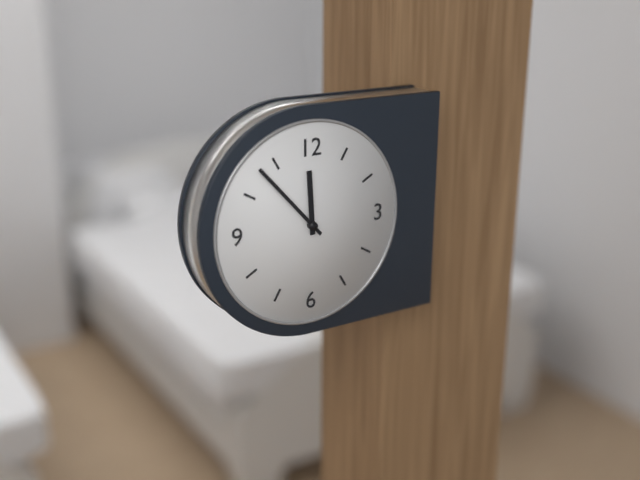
11:53
